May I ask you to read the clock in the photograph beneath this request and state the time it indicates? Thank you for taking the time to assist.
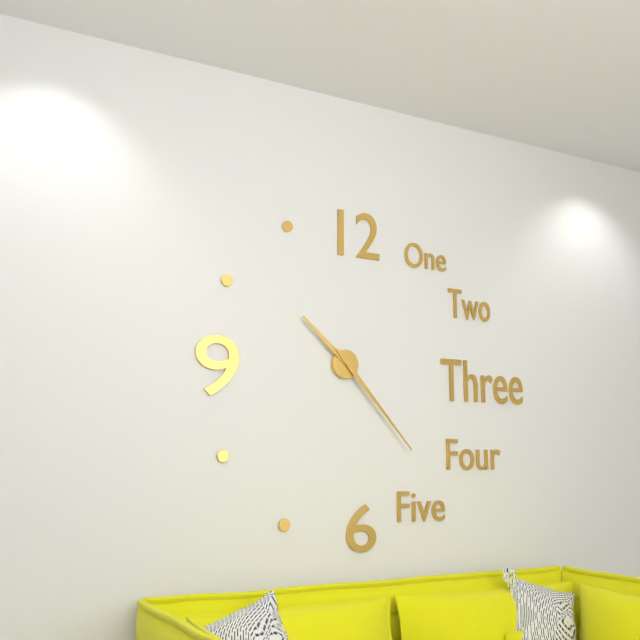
10:23
